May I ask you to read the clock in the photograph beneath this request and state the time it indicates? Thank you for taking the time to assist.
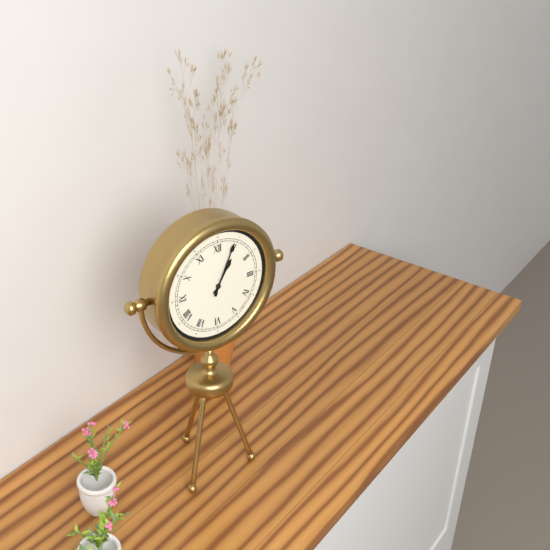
1:04
